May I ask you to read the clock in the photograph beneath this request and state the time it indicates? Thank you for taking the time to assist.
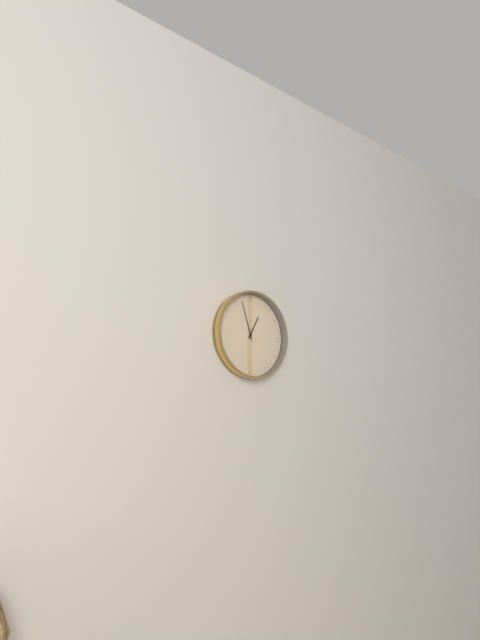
12:57
